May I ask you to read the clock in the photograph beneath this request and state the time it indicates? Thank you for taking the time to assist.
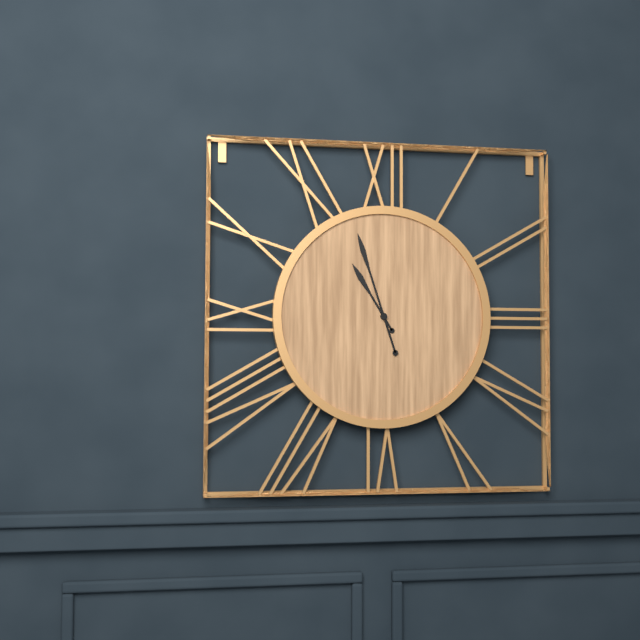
10:57
